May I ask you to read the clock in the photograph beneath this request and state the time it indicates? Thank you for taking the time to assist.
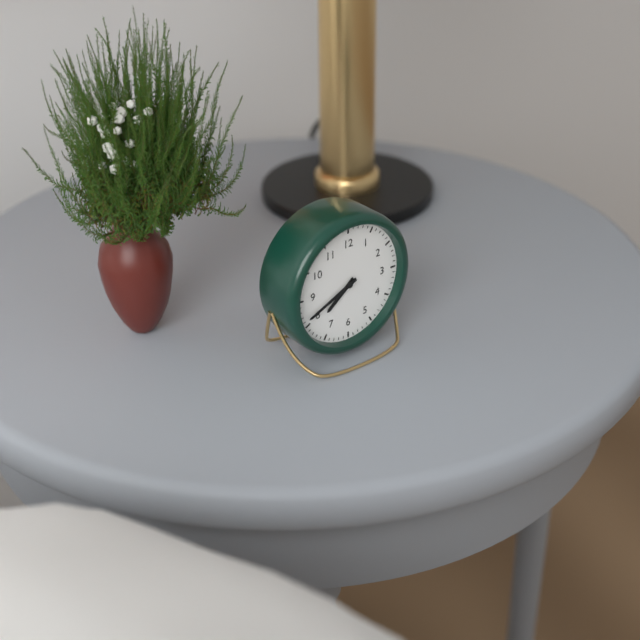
7:41
